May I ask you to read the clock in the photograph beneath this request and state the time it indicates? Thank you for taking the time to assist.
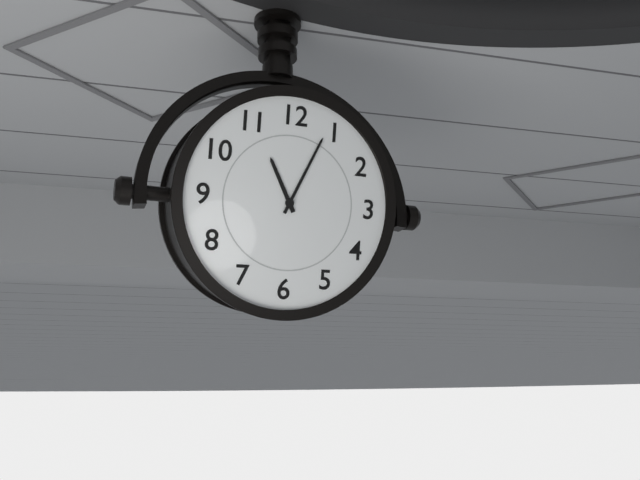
11:04
